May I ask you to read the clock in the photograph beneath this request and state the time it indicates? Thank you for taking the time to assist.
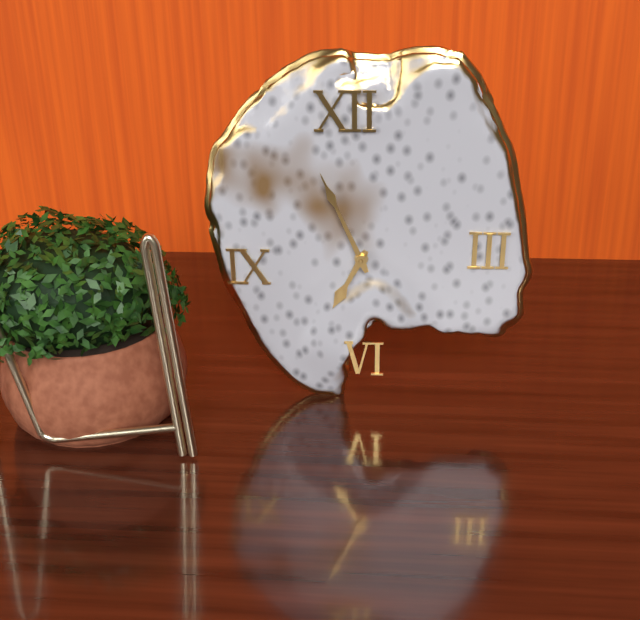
6:56
